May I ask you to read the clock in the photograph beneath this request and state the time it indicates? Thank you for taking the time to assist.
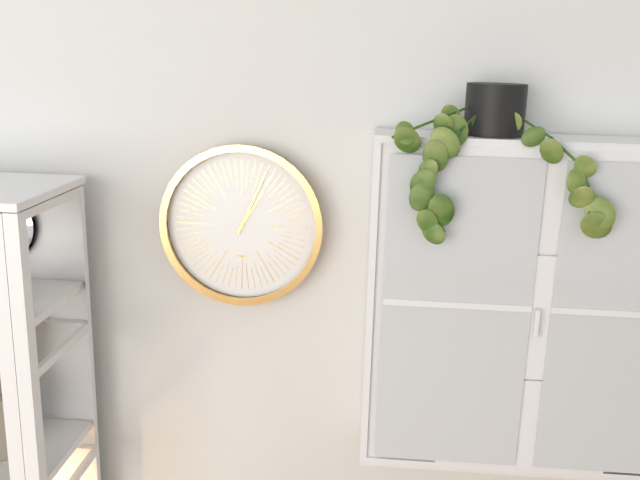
1:04
